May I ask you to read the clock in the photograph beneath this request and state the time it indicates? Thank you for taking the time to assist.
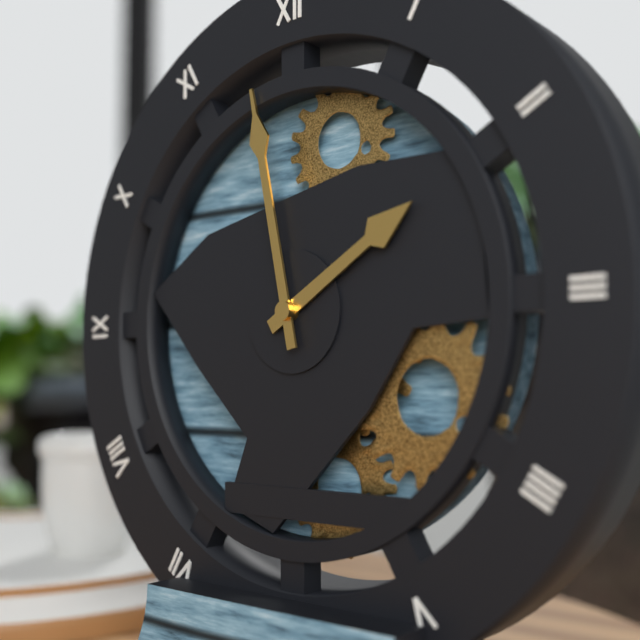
1:58
